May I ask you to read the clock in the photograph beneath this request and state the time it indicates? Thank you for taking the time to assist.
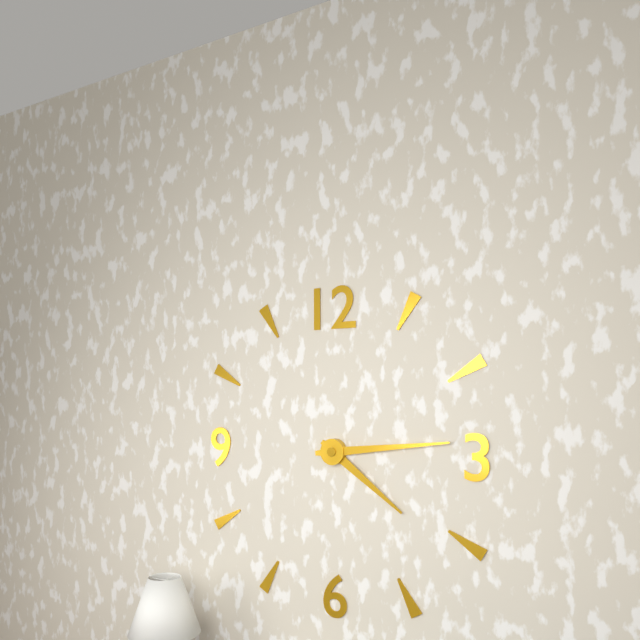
4:14
